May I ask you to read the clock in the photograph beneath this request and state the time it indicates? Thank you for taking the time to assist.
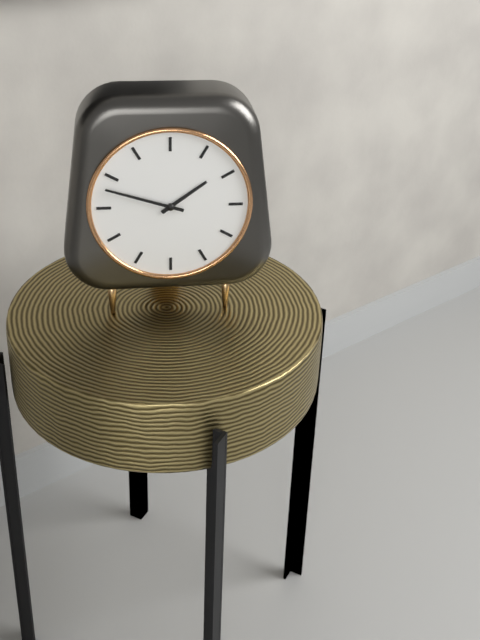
1:48
